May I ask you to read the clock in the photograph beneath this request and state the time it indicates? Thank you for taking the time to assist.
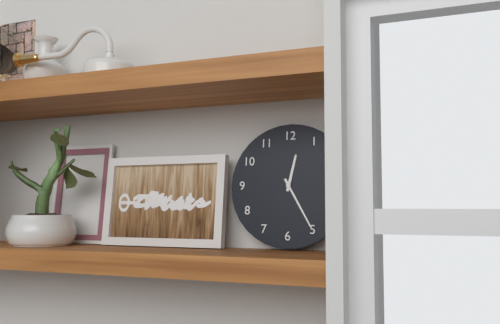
12:25
